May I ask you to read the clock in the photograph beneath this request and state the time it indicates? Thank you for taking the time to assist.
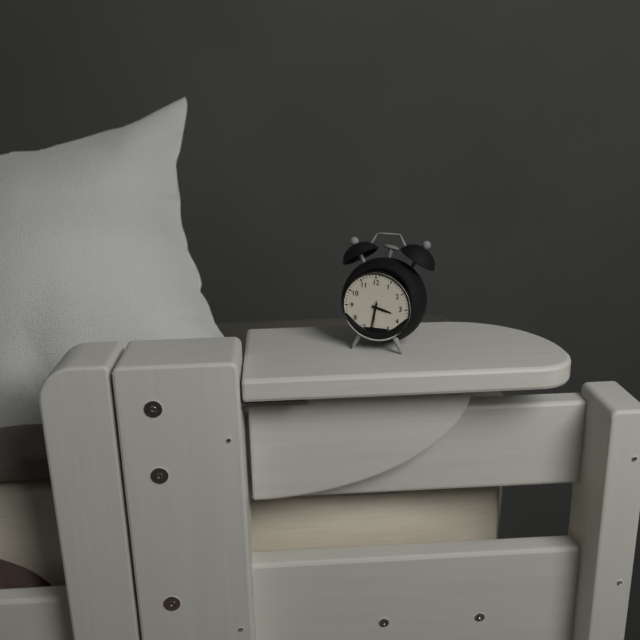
3:32
